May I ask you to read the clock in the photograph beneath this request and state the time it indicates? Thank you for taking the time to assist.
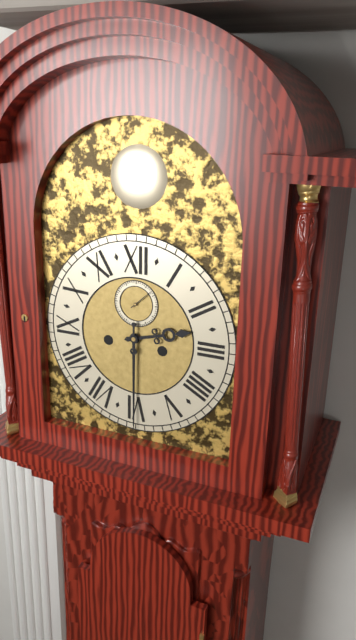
2:30
